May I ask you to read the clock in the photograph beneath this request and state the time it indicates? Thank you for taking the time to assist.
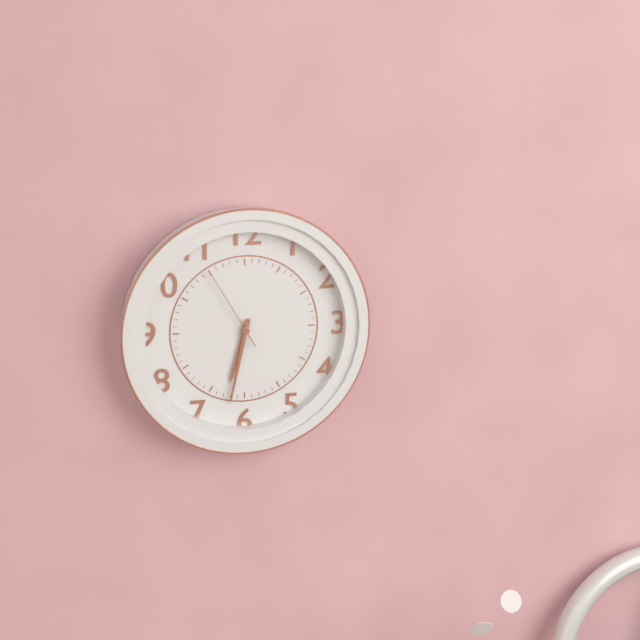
6:32:55
